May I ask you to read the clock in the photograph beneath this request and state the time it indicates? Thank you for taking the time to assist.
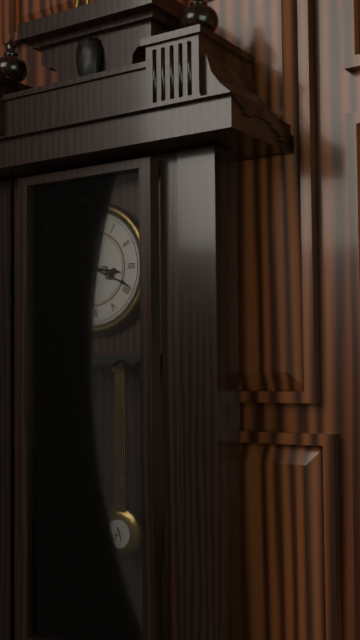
3:19
